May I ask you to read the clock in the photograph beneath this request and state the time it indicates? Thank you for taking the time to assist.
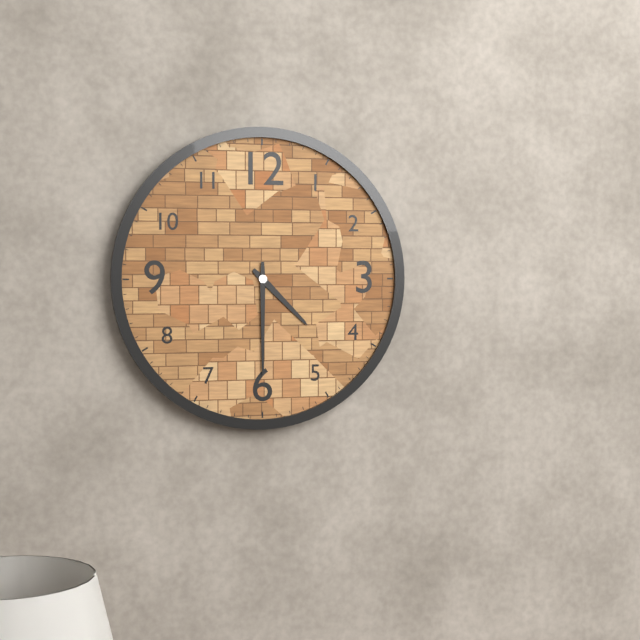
4:30
